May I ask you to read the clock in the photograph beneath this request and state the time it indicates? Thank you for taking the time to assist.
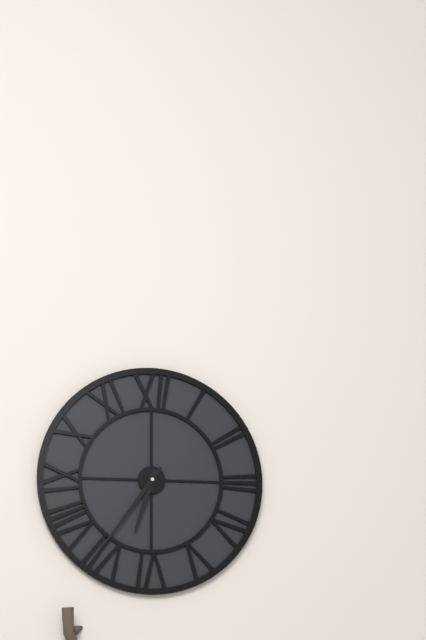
6:36
